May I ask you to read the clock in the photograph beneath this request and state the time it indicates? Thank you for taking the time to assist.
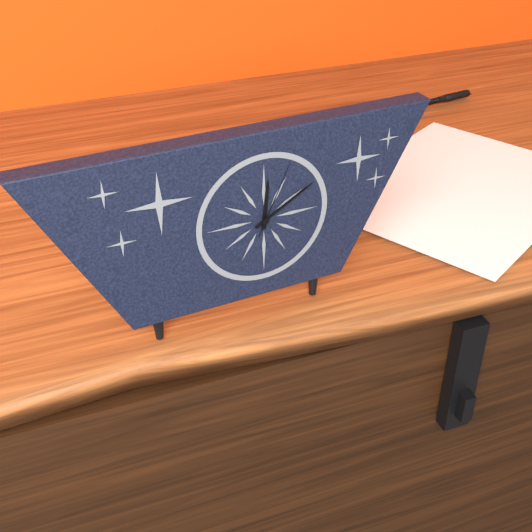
12:10:04
